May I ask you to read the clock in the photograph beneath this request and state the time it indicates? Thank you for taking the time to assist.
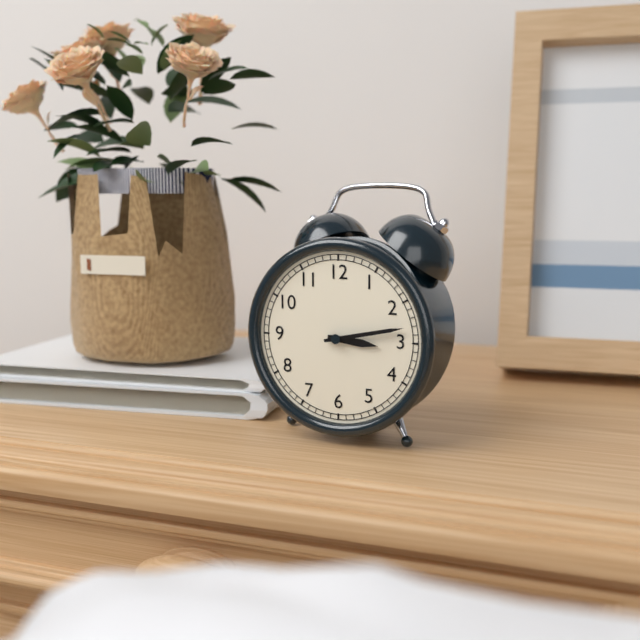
3:13
